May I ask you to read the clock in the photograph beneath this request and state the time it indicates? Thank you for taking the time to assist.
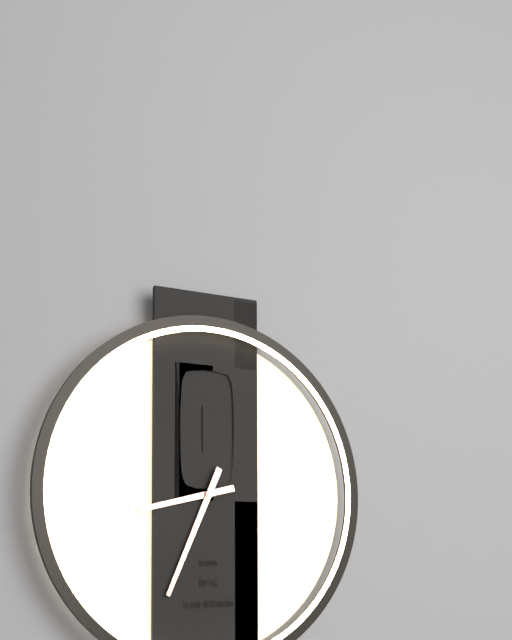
8:34
